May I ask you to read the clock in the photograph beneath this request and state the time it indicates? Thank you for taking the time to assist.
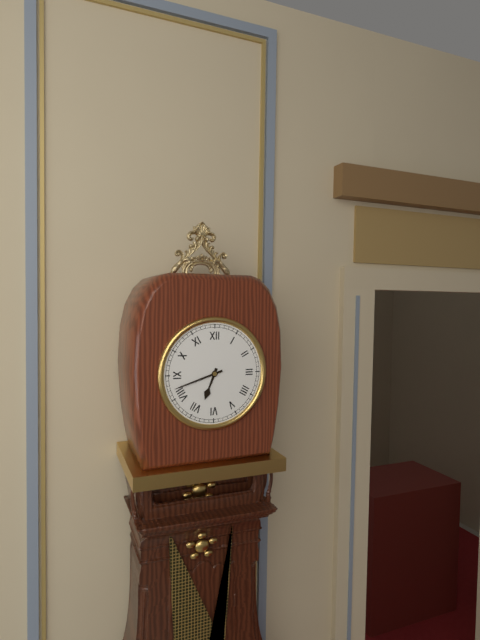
6:42
